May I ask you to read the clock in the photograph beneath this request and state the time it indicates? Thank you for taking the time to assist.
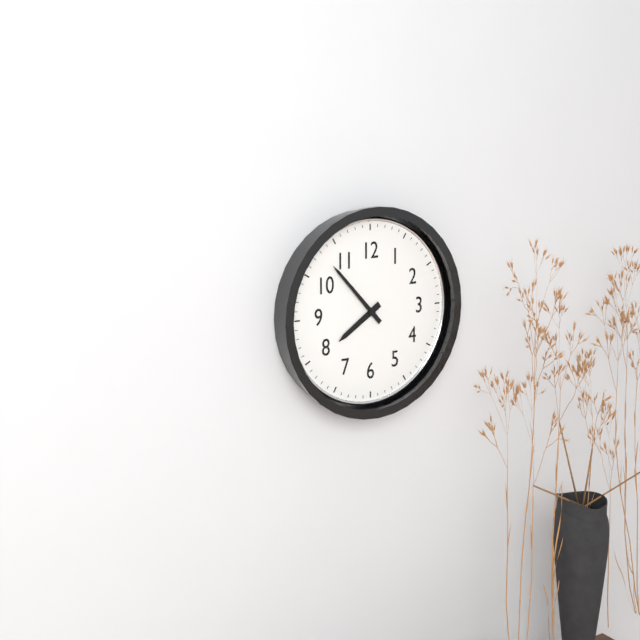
7:53
